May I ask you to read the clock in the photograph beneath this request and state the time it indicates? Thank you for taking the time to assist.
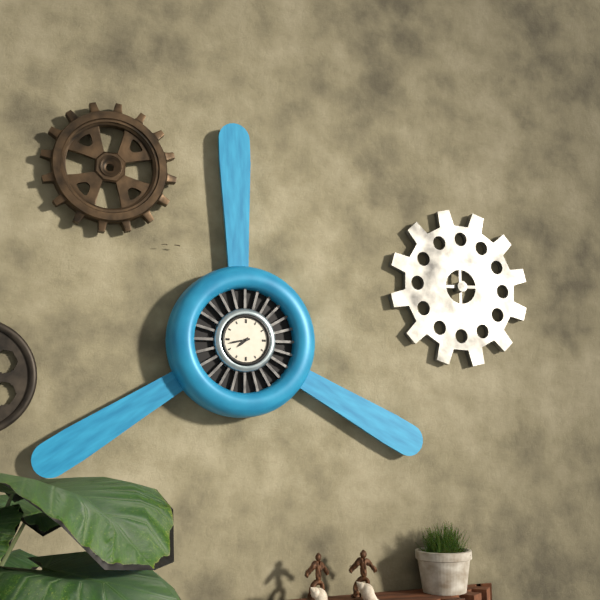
7:43
